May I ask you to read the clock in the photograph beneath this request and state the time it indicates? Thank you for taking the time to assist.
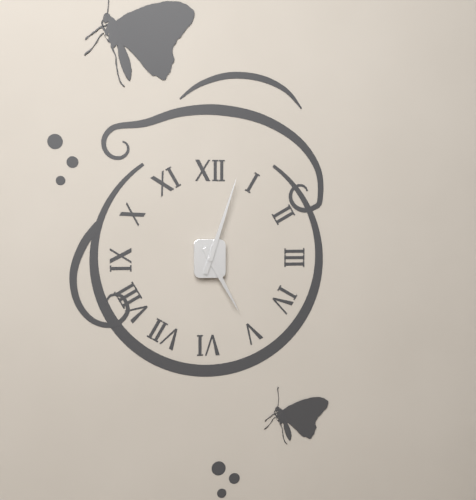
5:03
